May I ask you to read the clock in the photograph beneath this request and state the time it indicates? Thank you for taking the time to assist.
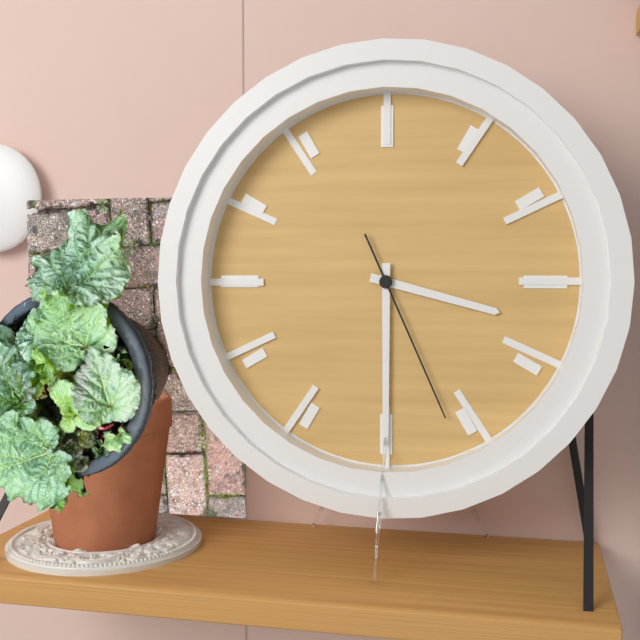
3:30:26
